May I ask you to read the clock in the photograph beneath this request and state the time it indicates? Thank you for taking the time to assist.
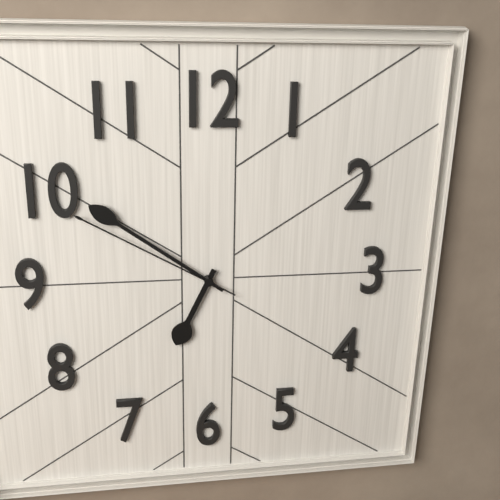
6:51:50
